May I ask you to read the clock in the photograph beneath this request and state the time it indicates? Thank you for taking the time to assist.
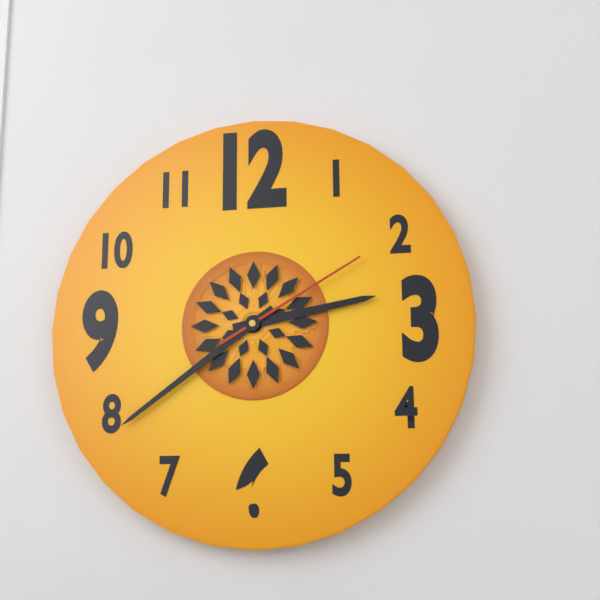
2:39:10
